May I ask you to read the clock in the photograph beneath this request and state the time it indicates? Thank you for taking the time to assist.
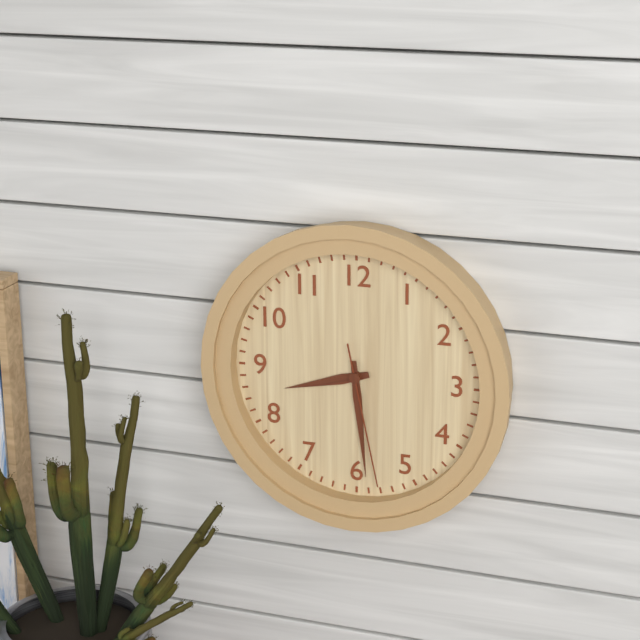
8:29:28
